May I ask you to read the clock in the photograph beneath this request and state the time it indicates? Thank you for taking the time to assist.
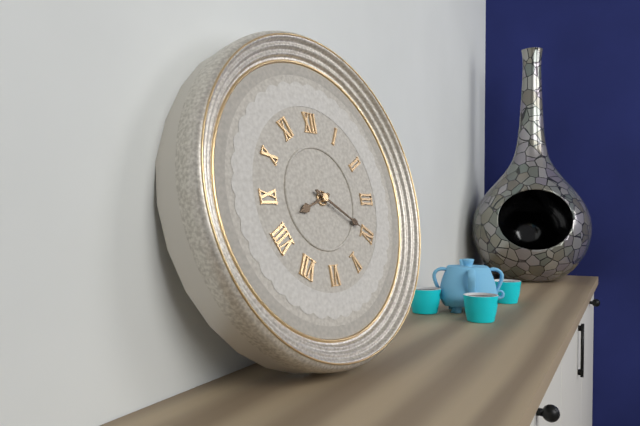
8:20
